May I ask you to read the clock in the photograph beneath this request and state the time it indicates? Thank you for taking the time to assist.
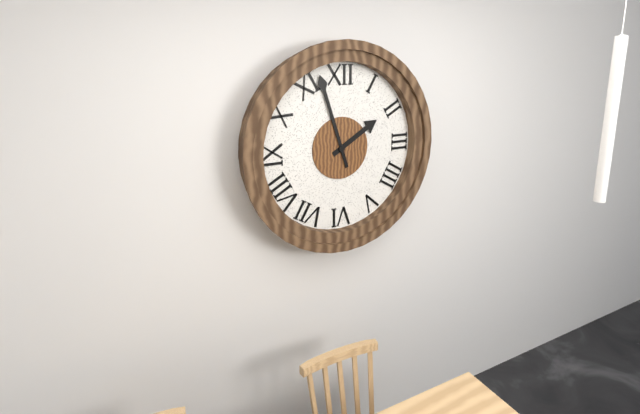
1:57
